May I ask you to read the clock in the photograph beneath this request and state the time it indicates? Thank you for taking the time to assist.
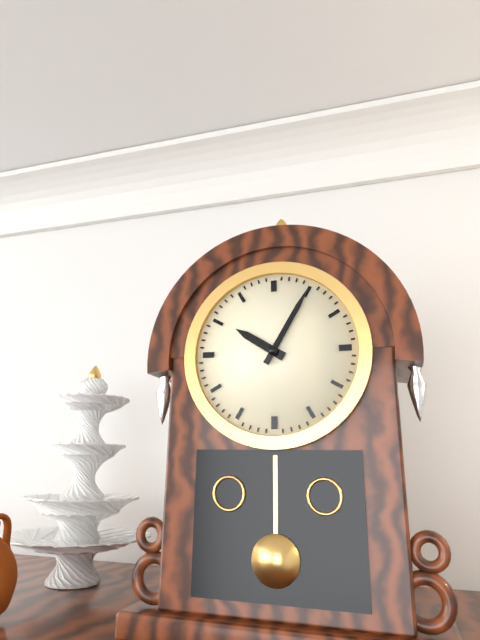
10:05
